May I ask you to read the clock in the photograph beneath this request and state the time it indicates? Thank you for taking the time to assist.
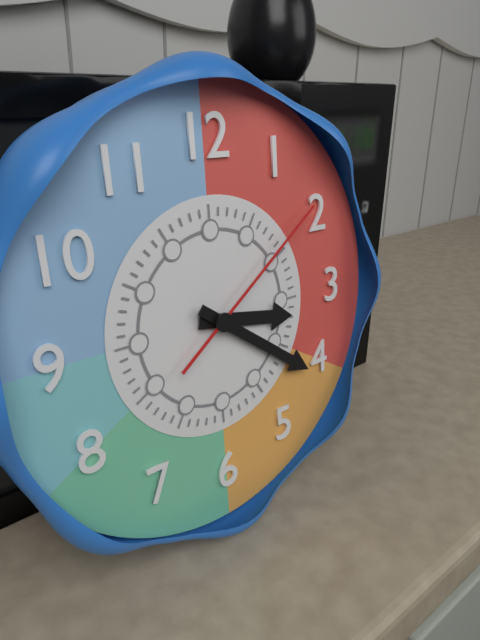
3:21:09
